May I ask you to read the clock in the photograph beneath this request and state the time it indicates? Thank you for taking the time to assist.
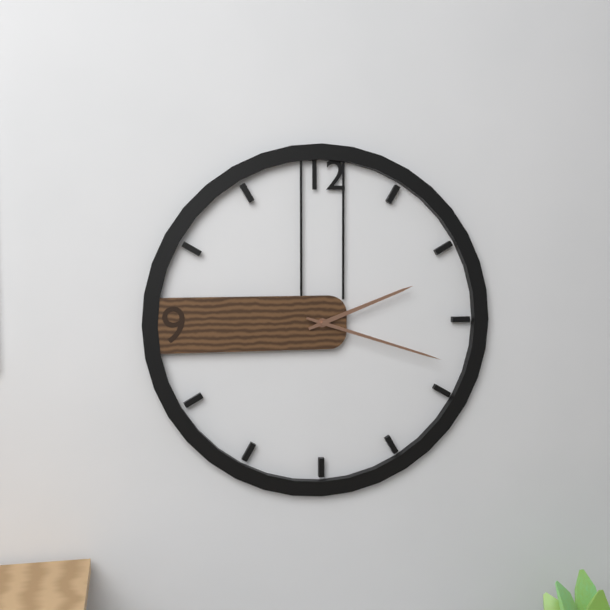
2:18
